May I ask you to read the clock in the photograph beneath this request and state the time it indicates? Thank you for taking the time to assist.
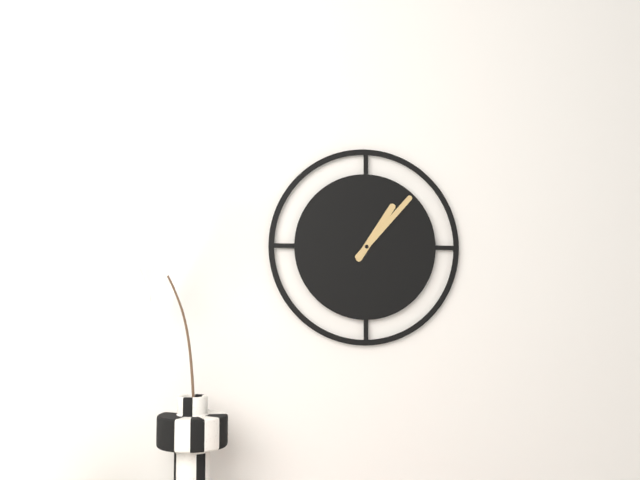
1:07
